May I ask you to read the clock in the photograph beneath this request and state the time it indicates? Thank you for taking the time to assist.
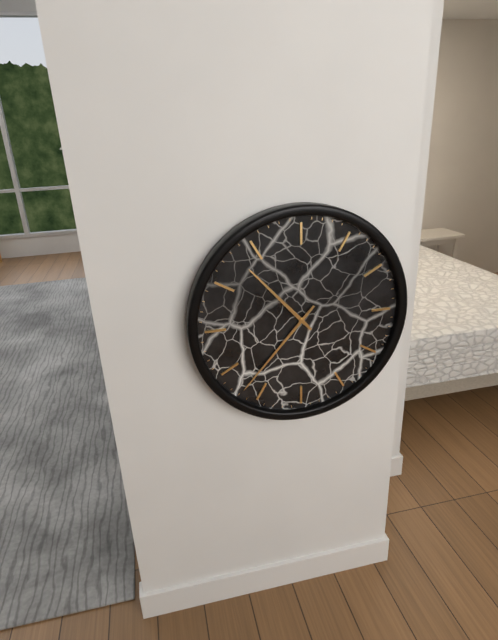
10:37
